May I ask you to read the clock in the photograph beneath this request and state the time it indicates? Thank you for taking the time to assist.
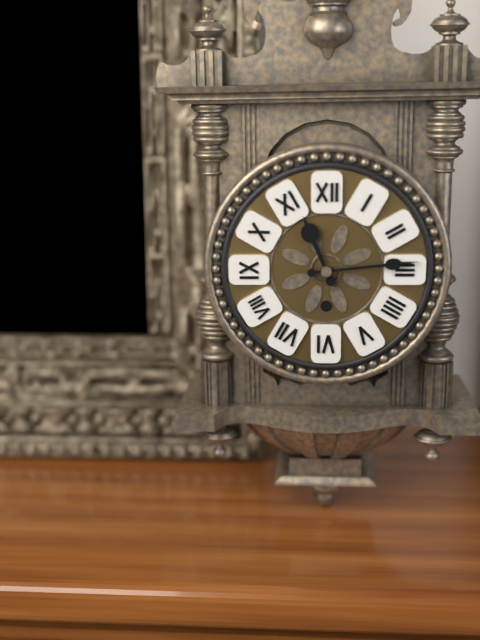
11:14
